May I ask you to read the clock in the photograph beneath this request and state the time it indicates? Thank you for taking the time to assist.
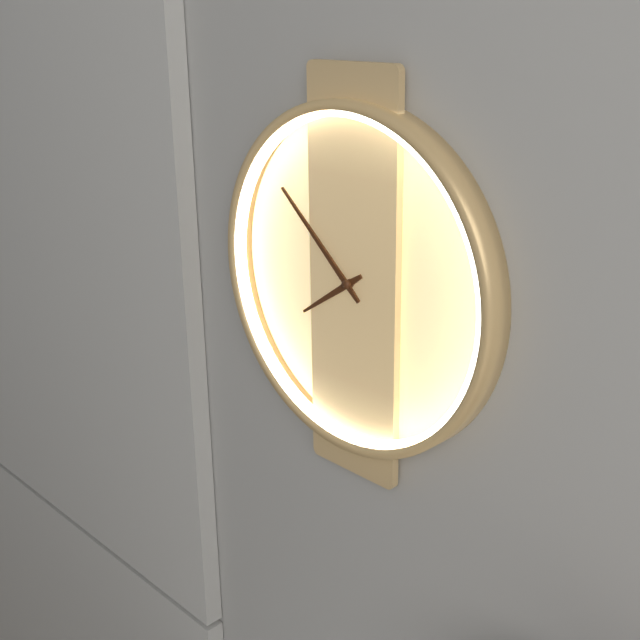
7:52
